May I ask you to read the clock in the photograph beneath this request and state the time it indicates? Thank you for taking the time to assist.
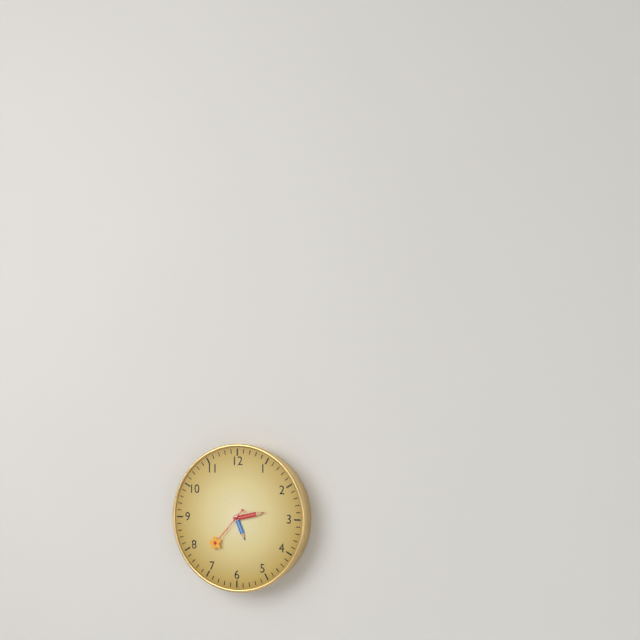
5:13:37
